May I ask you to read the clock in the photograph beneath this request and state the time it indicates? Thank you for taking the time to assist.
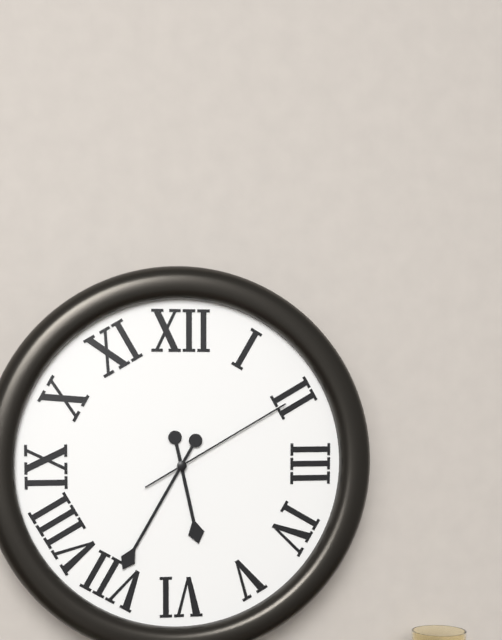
5:35:10
